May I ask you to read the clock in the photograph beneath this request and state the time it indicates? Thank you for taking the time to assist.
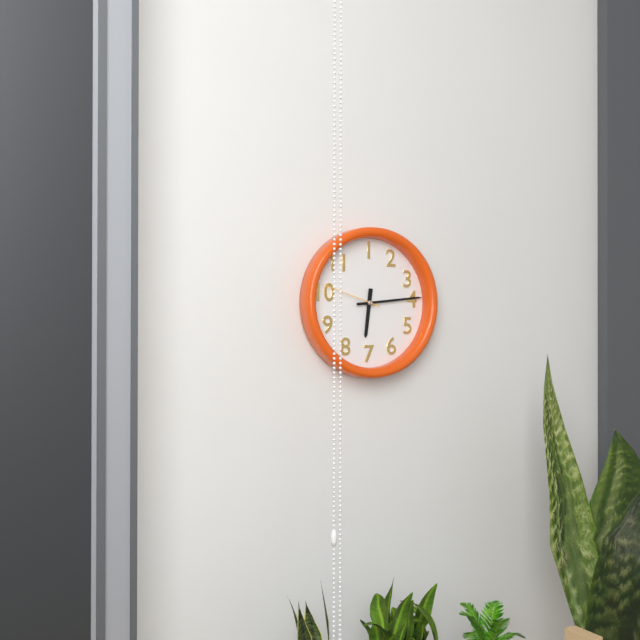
6:14:48
